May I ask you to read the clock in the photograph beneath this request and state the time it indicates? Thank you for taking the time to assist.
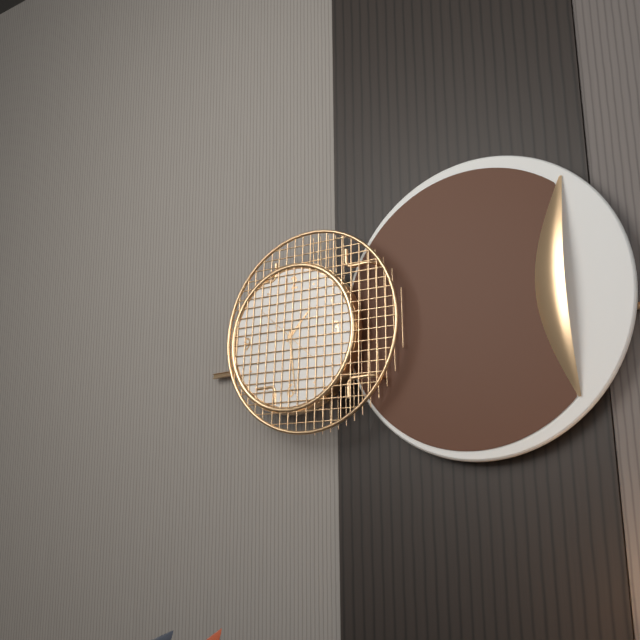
1:29
